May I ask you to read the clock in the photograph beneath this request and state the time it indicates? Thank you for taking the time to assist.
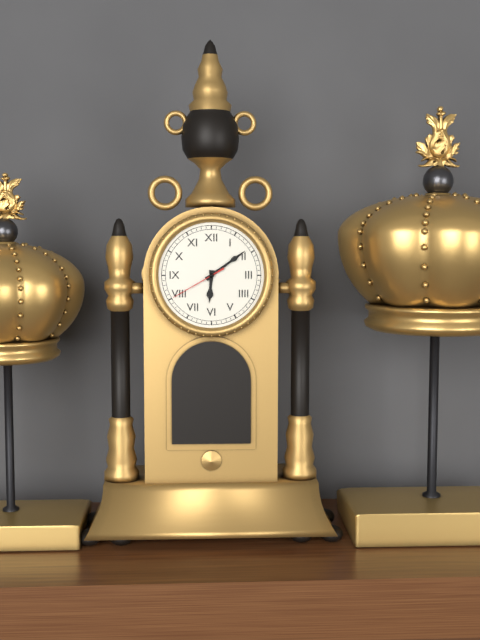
6:09:40
